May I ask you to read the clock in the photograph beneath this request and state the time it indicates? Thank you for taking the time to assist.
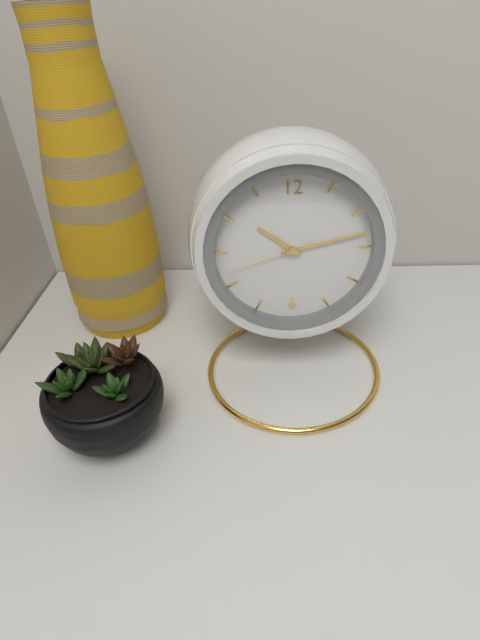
10:13:42
